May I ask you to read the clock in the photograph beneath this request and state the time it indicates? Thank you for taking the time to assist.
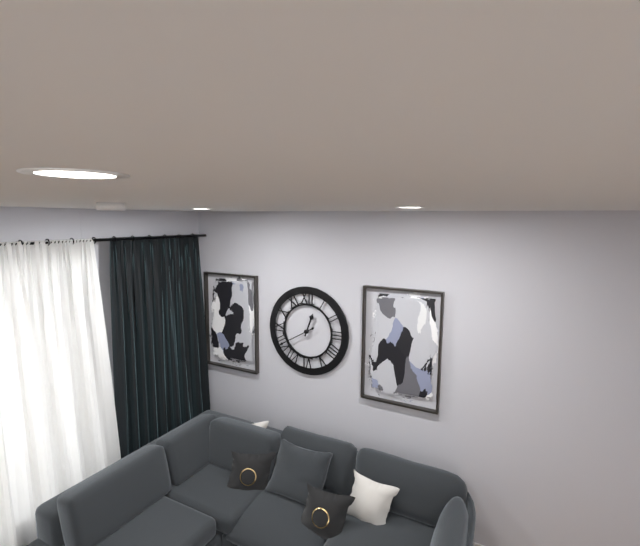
12:40
